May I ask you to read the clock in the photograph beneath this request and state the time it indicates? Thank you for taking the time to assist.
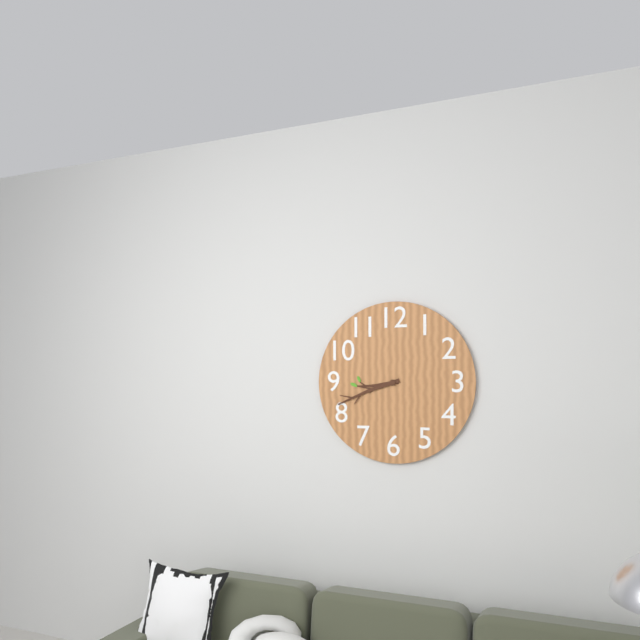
8:42
